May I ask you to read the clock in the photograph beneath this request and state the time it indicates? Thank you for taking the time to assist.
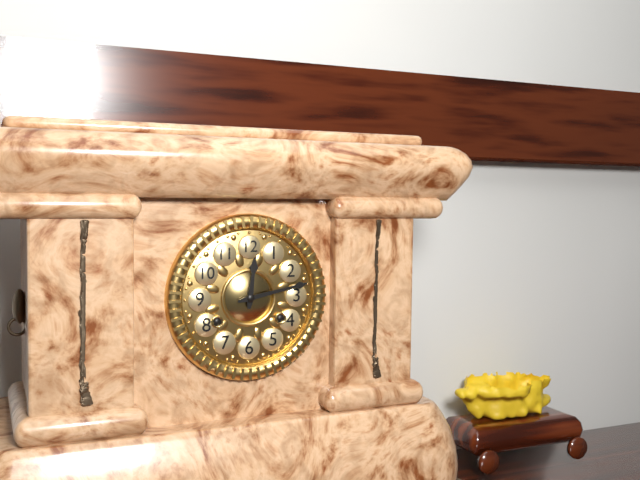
12:13
